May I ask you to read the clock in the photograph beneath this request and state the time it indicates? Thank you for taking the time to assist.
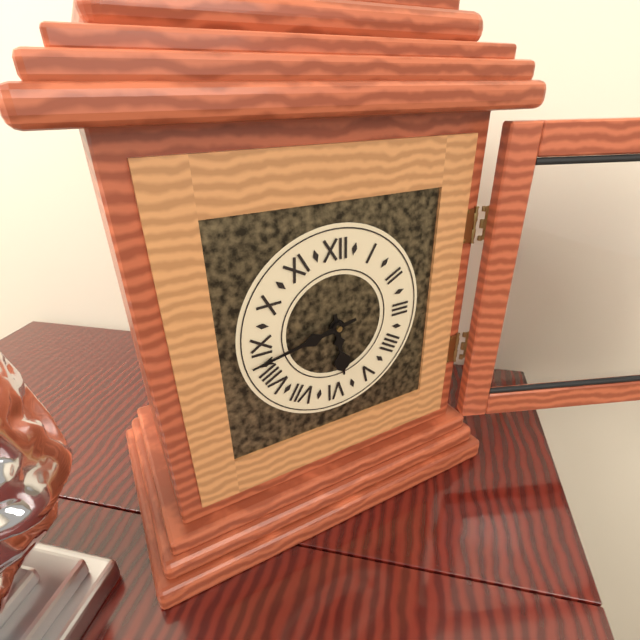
5:43
